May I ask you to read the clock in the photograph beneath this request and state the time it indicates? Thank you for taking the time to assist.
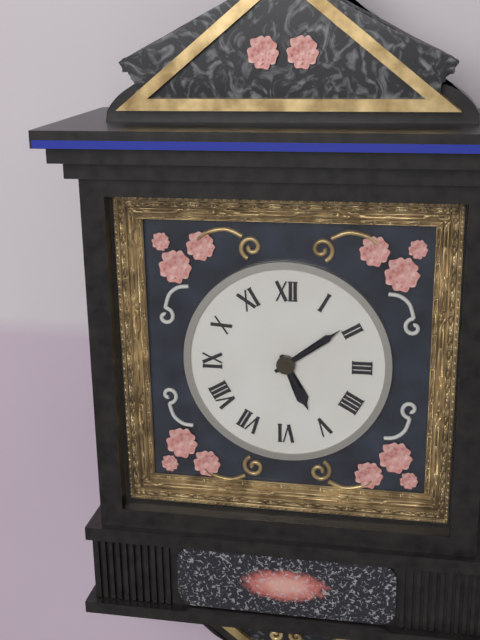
5:09
